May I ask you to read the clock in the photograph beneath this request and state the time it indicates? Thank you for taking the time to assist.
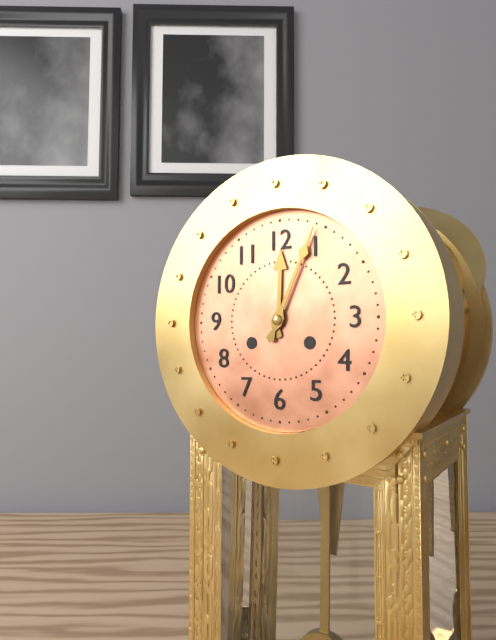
12:04
